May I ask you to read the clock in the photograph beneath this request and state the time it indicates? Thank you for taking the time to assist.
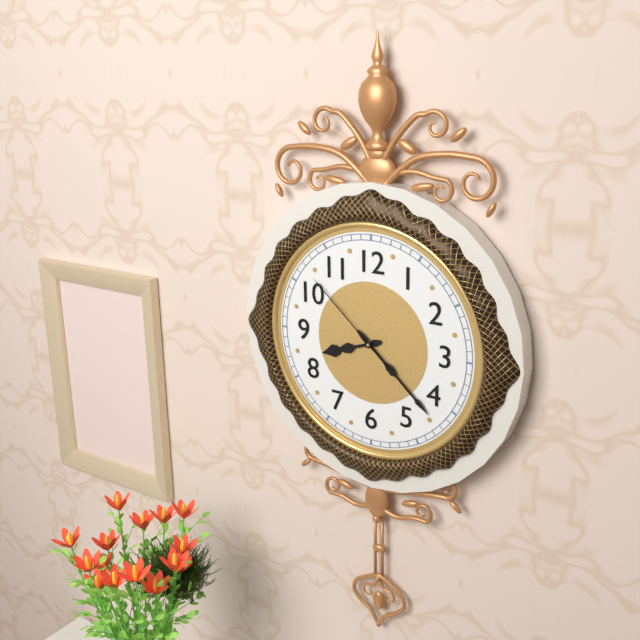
8:22:52
